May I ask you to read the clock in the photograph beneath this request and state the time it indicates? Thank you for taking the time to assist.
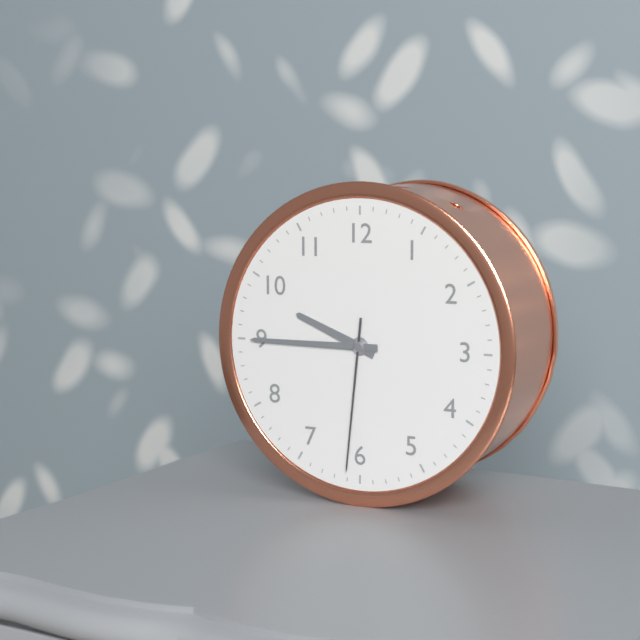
9:45:31
